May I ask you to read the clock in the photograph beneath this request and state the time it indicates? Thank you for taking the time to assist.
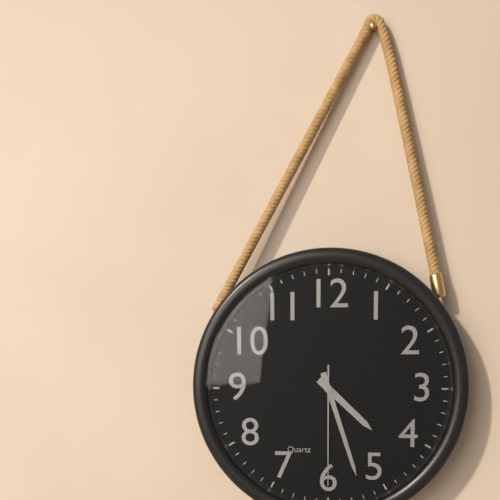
4:27:30
